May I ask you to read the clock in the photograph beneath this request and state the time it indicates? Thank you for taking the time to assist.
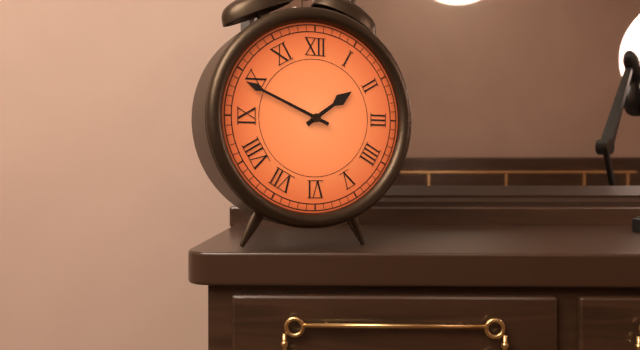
1:49
